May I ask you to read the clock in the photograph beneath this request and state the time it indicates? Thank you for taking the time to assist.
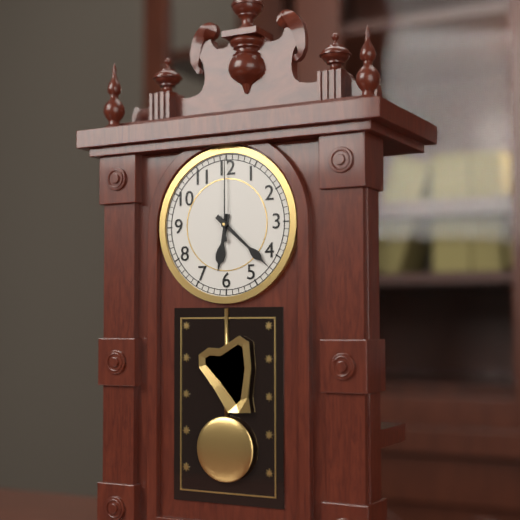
6:22:00
